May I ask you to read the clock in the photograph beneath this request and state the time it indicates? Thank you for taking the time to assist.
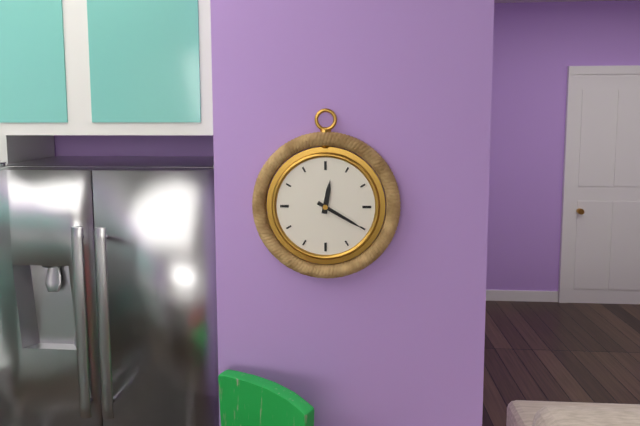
12:20
